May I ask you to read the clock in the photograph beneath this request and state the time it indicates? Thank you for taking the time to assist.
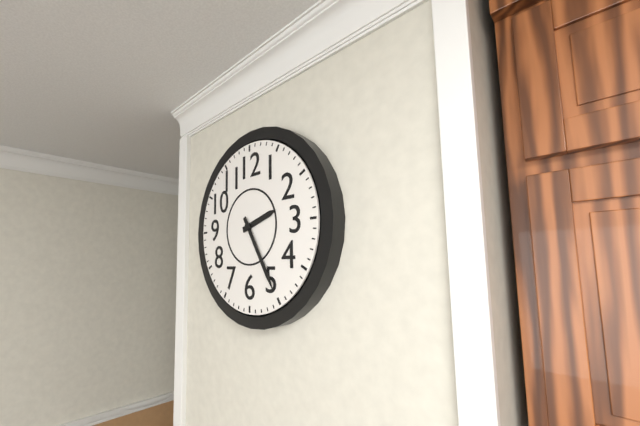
2:25
